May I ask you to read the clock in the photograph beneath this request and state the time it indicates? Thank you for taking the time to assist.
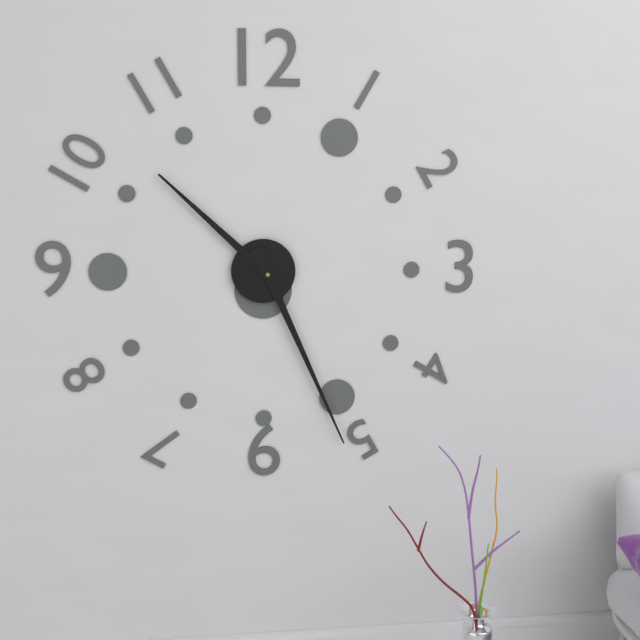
10:26
